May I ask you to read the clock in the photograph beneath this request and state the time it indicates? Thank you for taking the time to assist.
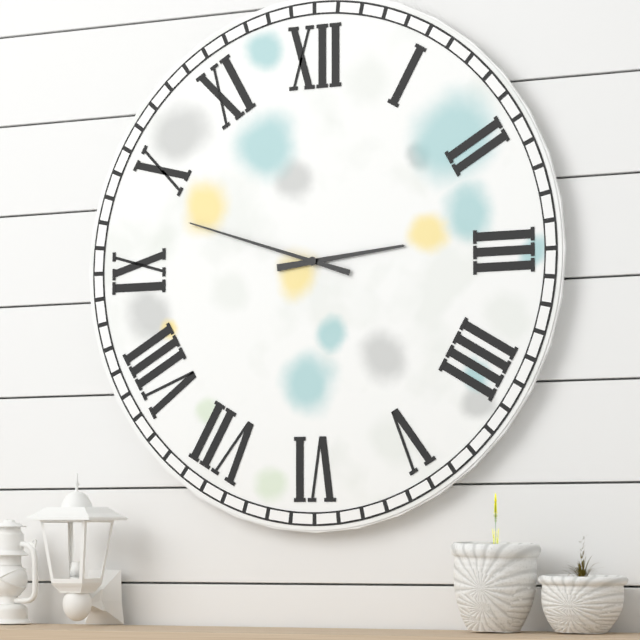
2:48
